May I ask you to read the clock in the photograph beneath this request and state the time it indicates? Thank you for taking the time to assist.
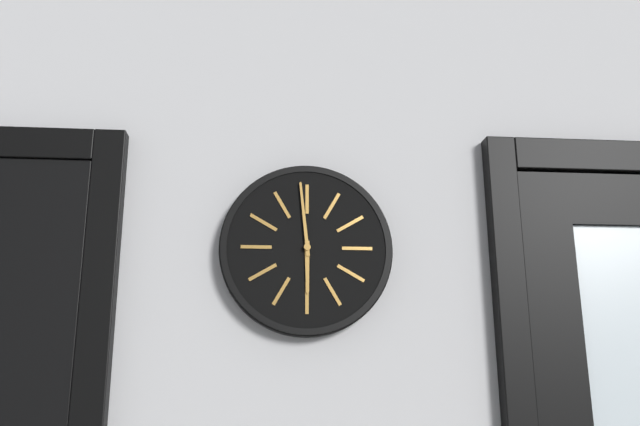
5:59
